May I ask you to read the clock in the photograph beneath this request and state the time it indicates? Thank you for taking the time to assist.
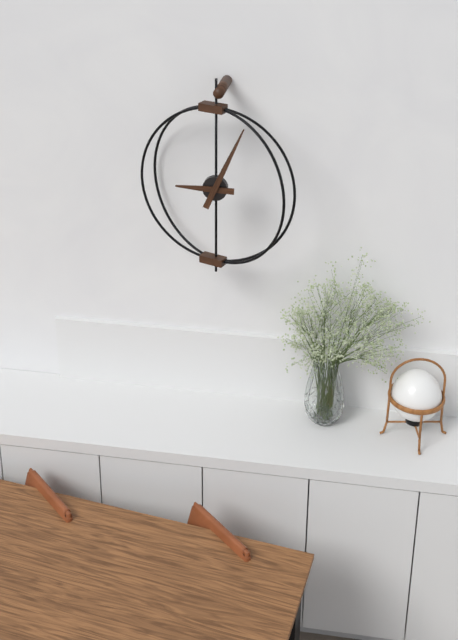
9:04
